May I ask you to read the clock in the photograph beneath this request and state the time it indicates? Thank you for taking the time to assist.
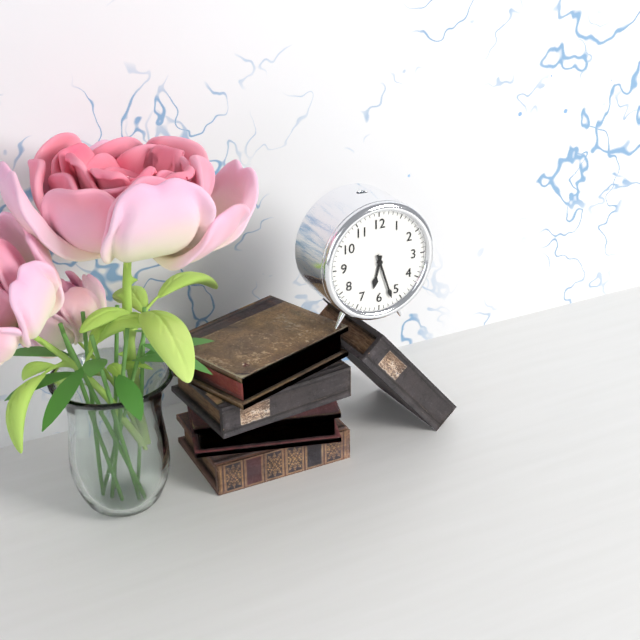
6:27
